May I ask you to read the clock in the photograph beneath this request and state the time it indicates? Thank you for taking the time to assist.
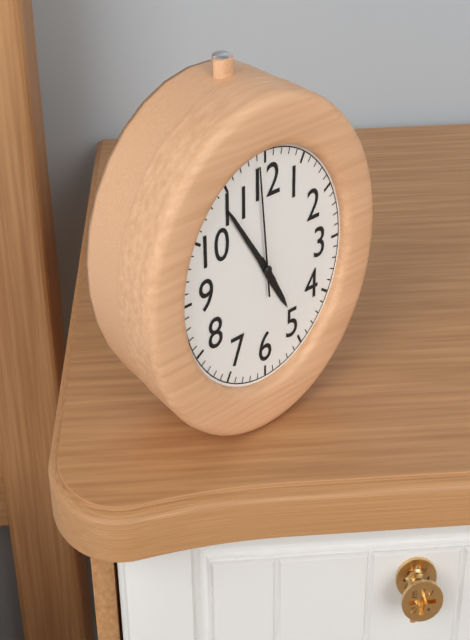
4:54:59
